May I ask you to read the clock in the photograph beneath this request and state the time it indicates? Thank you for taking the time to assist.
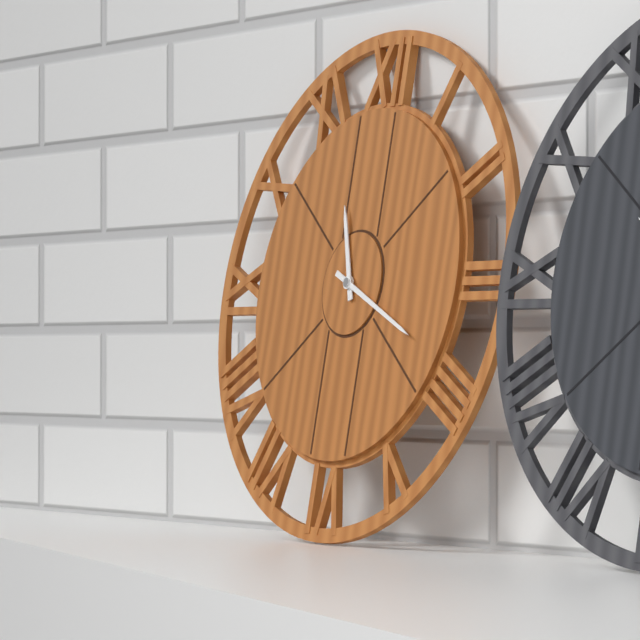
11:19
